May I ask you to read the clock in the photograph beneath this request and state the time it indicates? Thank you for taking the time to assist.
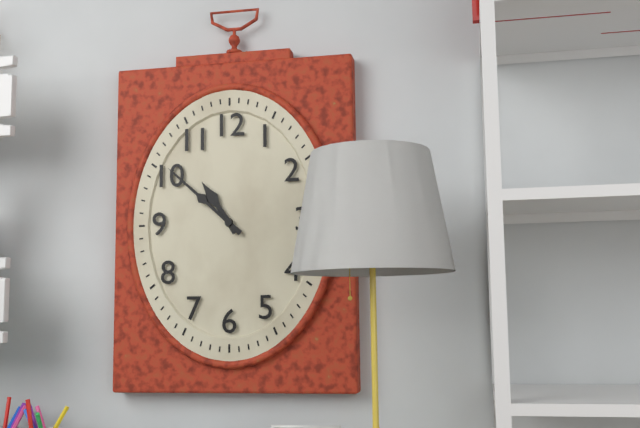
10:52
